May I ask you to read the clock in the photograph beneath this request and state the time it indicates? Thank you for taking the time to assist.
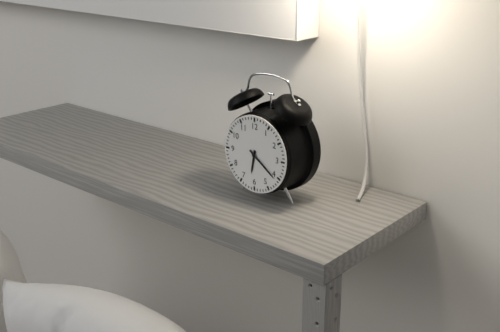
6:21
